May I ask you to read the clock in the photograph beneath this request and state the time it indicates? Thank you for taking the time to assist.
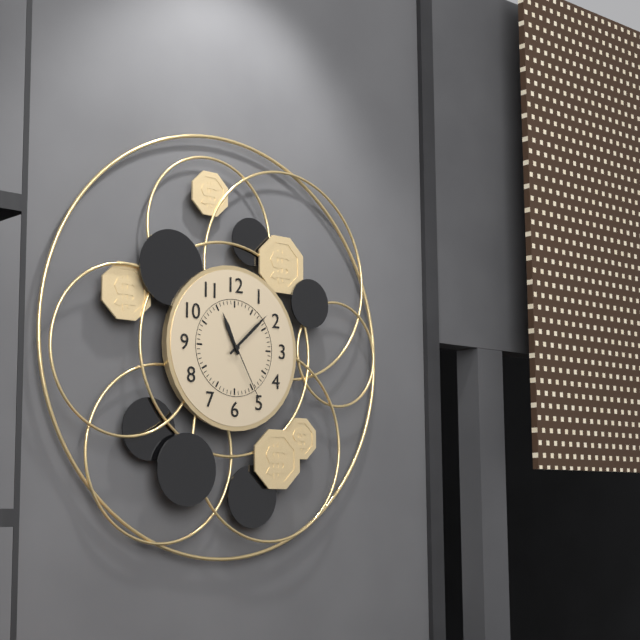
11:08:25
